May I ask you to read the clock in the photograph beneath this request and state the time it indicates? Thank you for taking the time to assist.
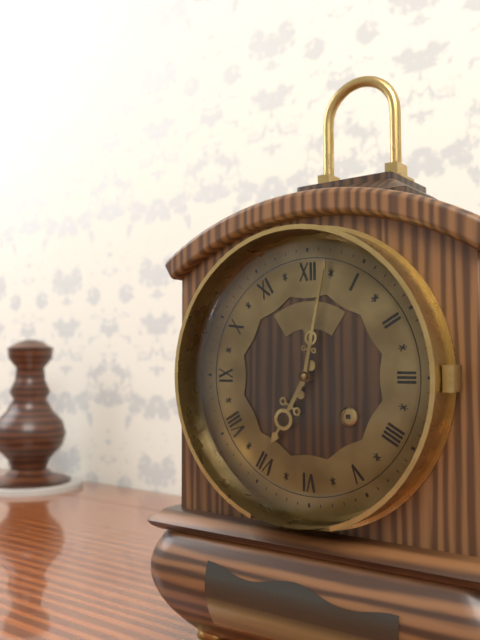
7:02
